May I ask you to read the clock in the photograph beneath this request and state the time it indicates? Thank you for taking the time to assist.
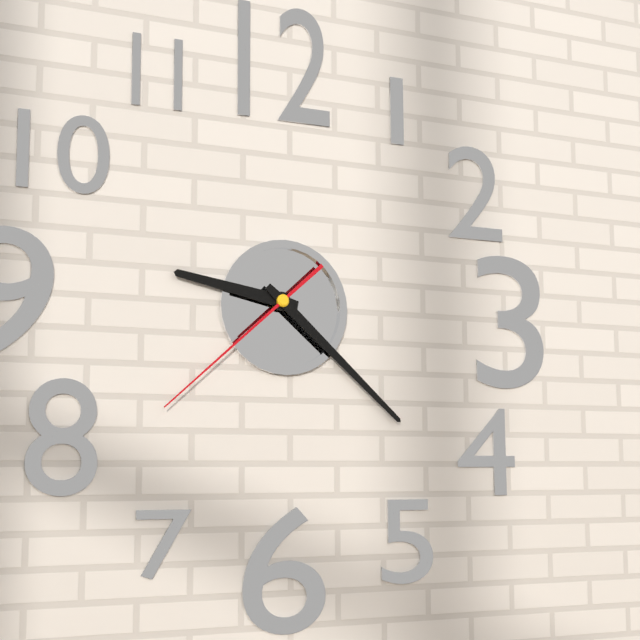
9:22:38
